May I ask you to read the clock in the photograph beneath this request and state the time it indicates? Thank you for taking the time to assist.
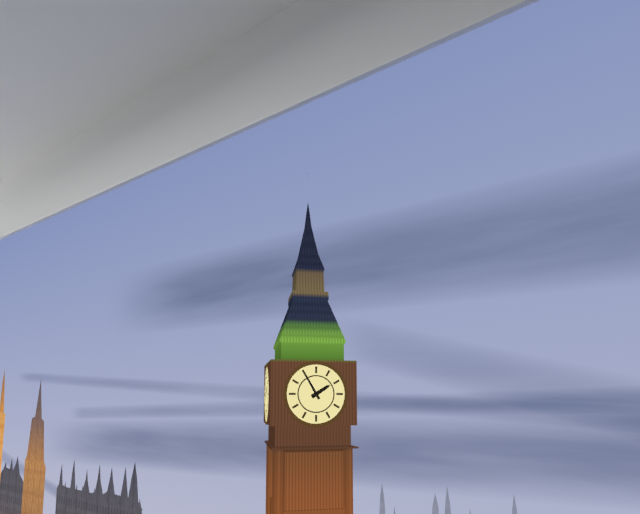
1:55
